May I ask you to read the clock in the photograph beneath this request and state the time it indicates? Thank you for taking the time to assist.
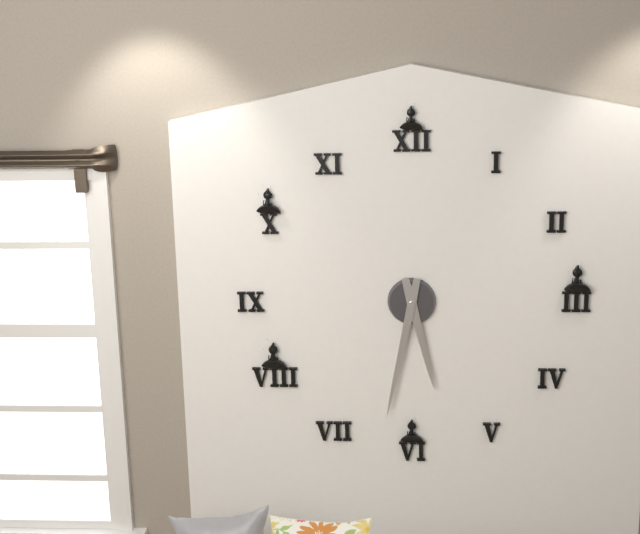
5:32
